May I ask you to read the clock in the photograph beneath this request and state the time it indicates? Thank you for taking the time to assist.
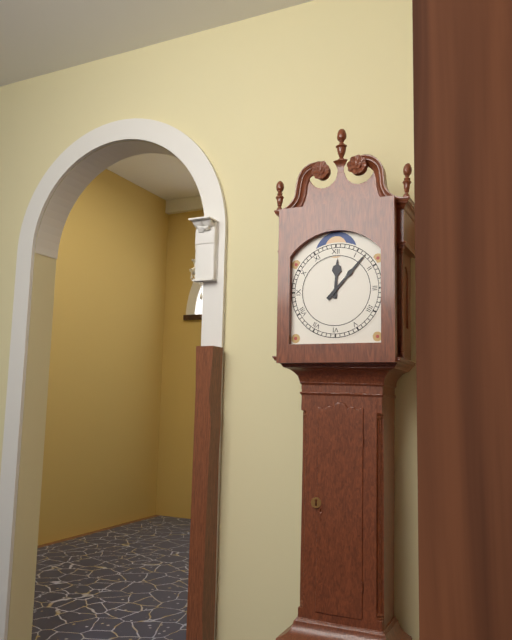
12:07
